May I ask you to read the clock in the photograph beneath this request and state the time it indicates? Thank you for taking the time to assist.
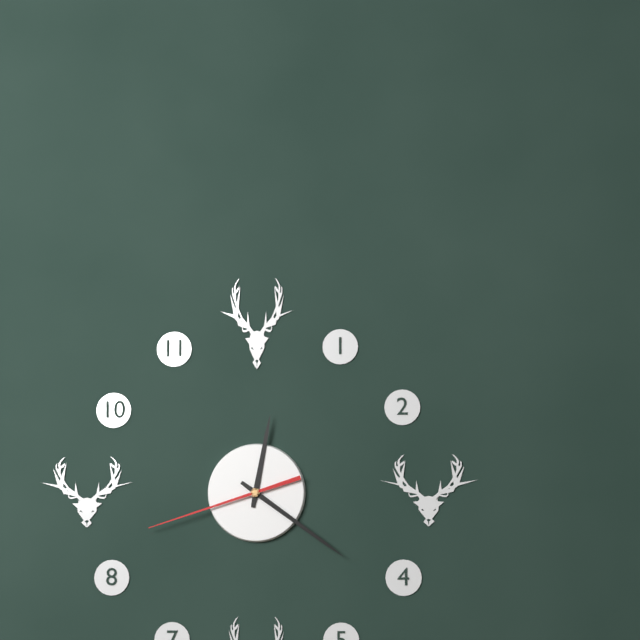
12:21:42
